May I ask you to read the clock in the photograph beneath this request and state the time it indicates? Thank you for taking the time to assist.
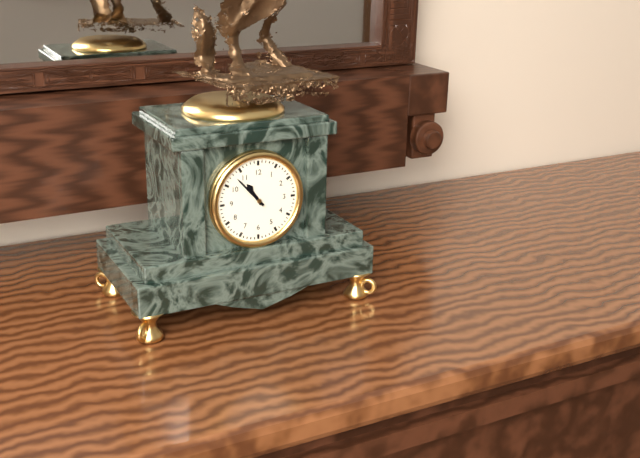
10:53
